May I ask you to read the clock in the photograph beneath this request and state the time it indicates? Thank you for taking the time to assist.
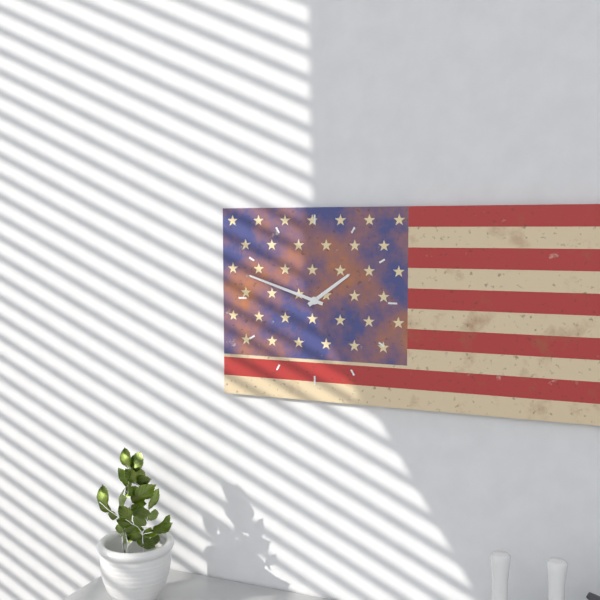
1:48
